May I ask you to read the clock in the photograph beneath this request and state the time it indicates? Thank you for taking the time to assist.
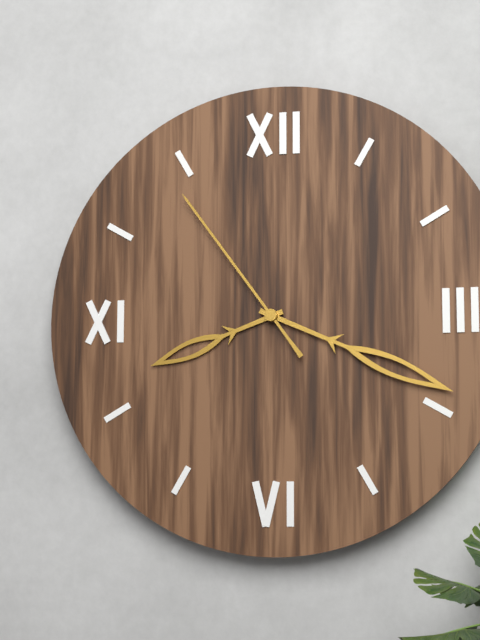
8:19:54
